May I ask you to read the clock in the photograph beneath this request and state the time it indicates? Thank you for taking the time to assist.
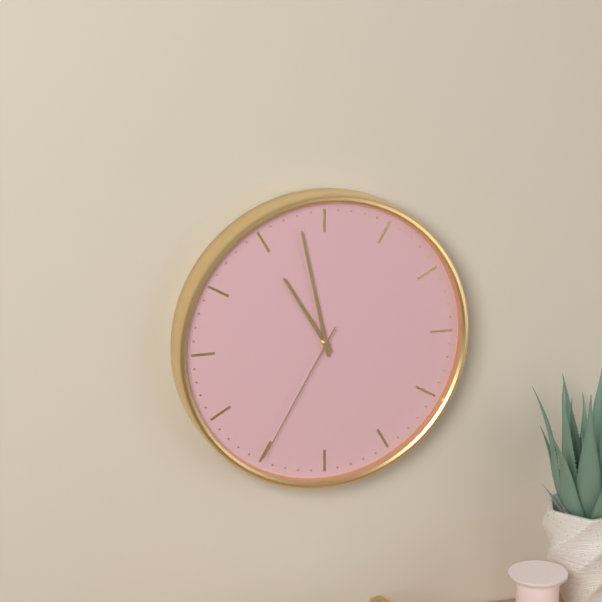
10:58:35
